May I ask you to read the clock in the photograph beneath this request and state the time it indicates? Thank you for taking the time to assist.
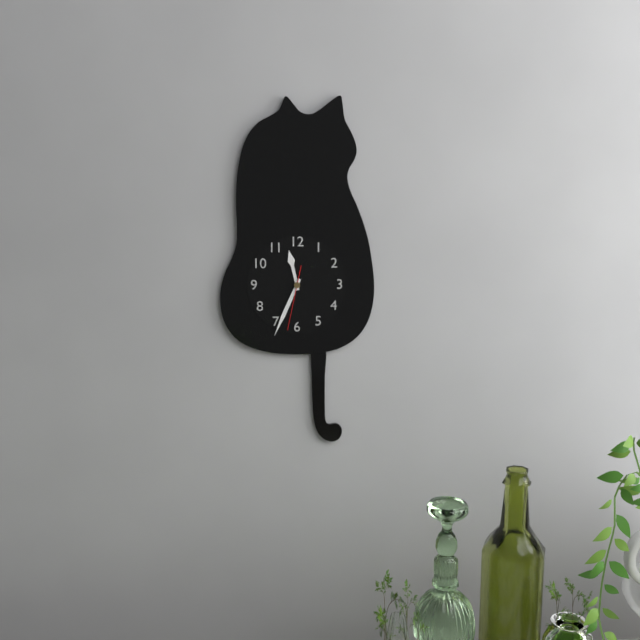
11:34:32
